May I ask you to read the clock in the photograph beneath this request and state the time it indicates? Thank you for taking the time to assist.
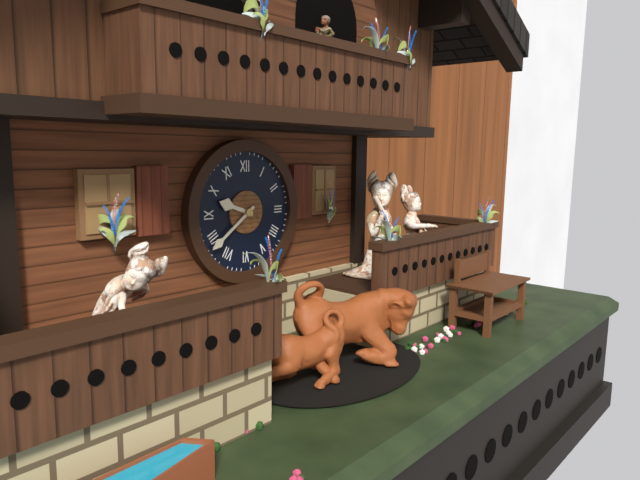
9:39
